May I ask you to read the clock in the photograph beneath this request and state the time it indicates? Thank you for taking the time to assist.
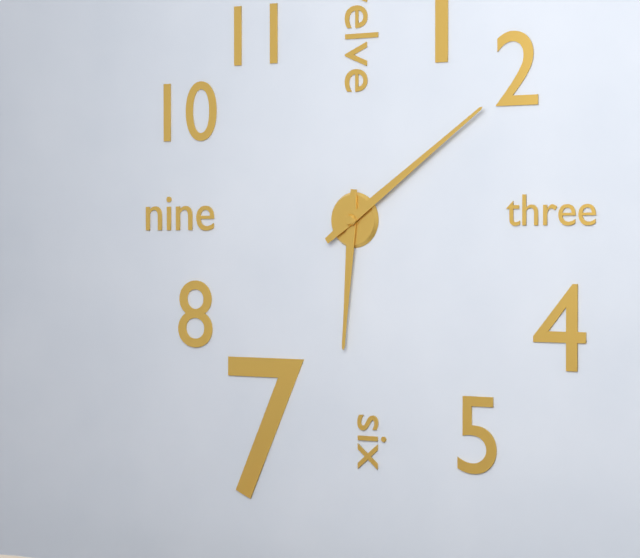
6:09
